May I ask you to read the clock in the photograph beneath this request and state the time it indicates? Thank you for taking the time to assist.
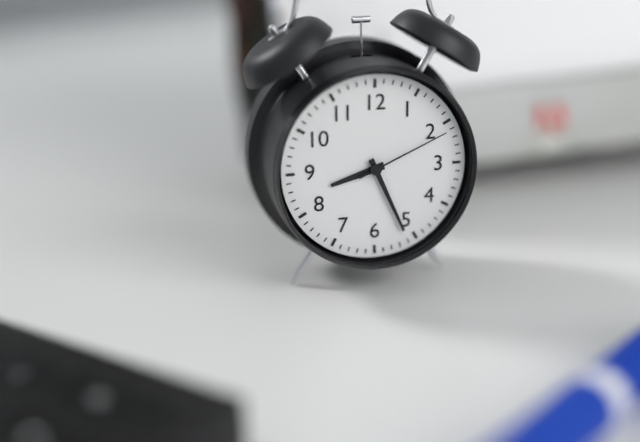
8:26:11
